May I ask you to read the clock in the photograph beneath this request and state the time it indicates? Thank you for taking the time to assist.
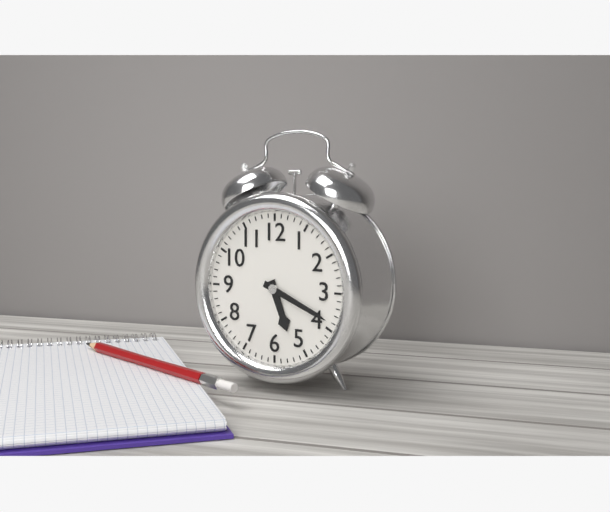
5:19
